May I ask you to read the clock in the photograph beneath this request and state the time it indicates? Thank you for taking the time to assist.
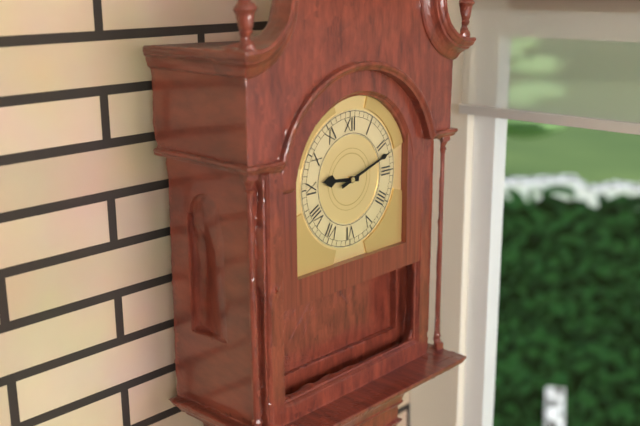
9:12
